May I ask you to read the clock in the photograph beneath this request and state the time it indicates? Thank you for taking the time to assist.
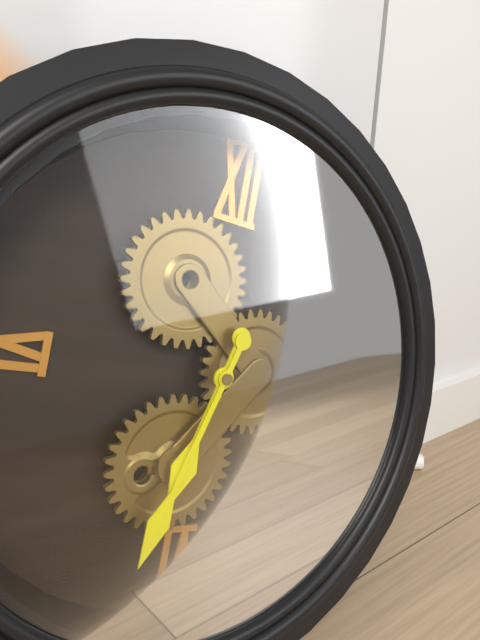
6:33
